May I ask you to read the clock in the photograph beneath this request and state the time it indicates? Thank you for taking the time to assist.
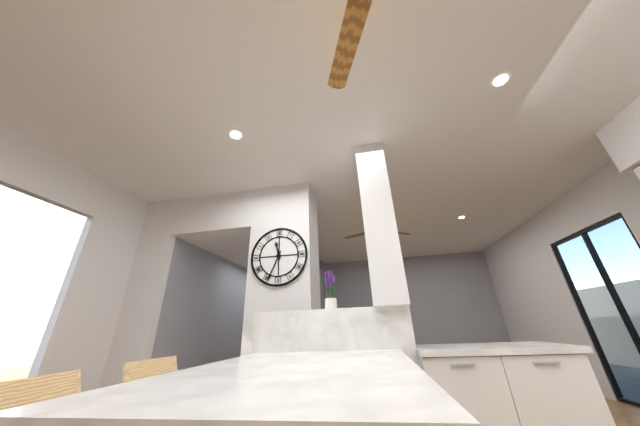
11:34
